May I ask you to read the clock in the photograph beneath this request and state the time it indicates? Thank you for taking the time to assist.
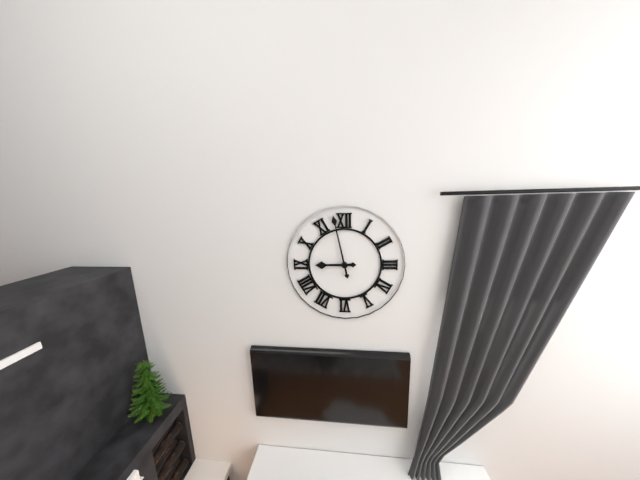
8:58
